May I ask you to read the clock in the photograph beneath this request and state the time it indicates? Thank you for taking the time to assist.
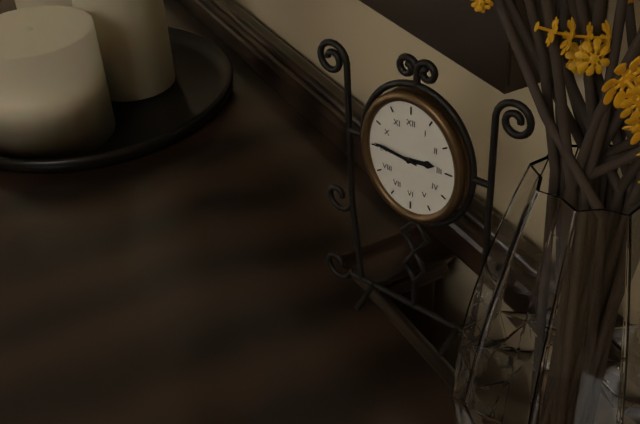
2:46
